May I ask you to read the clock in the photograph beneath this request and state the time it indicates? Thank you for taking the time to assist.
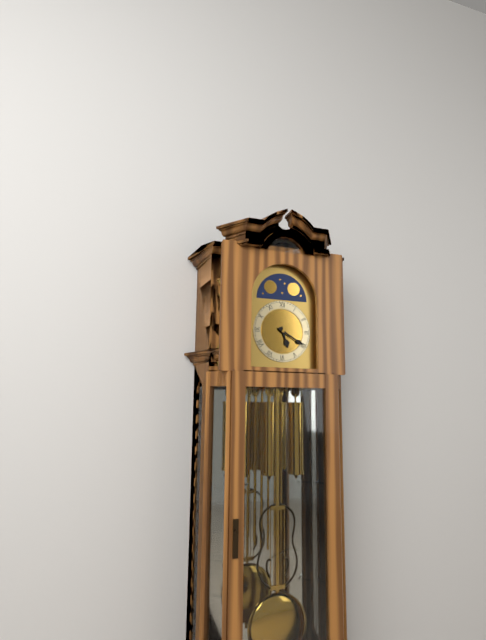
5:20
